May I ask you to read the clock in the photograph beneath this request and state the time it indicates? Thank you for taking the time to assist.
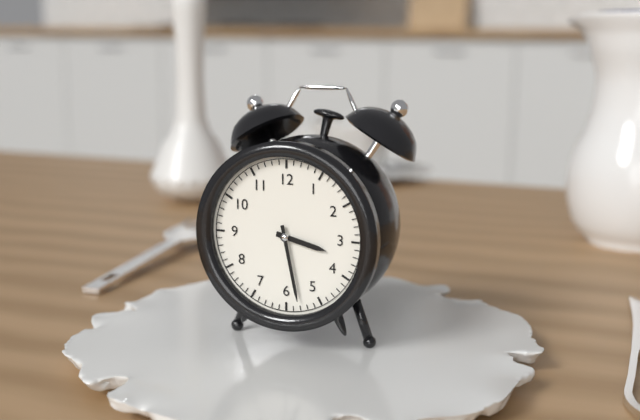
3:28
